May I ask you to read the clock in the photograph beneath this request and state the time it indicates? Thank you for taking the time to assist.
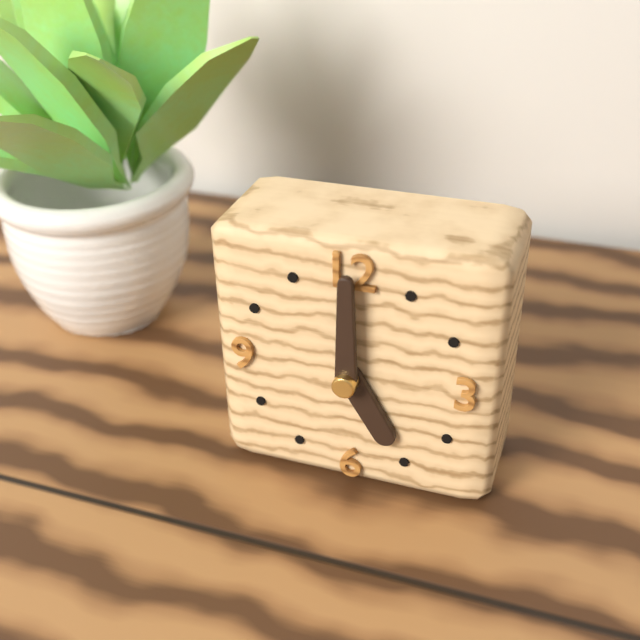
5:00
